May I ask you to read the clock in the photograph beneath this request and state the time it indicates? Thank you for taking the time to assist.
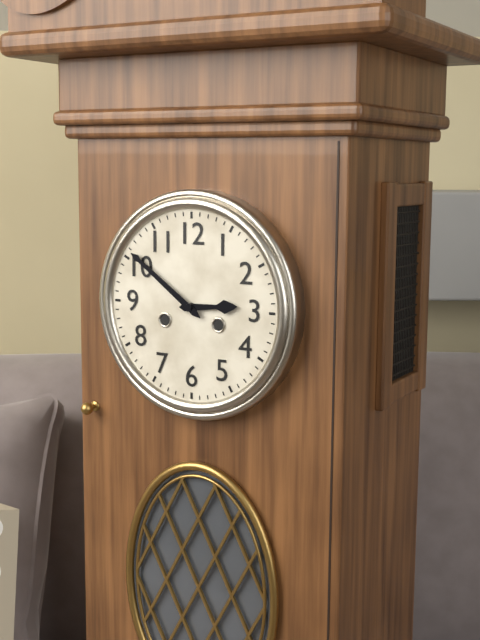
2:51
